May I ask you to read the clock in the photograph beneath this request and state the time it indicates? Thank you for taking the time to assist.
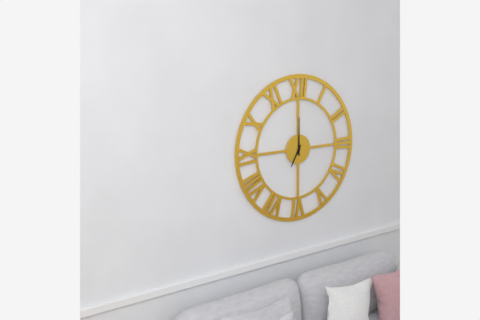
7:00
